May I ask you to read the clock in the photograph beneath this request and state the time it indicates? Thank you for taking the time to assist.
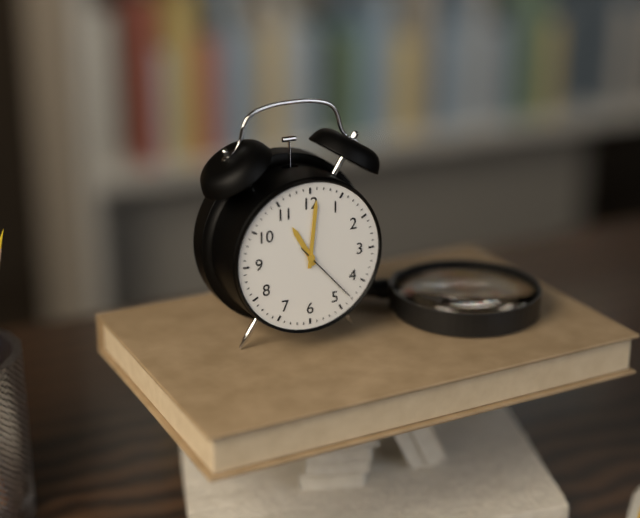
11:01:23
